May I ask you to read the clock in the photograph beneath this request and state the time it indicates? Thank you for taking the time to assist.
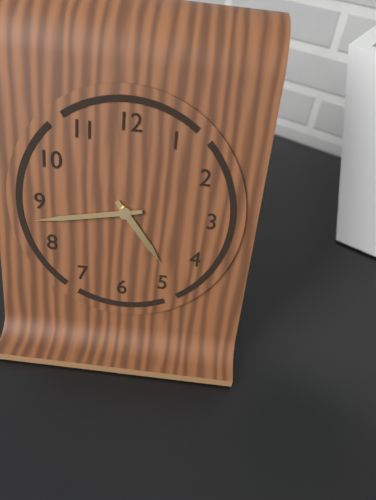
4:43
